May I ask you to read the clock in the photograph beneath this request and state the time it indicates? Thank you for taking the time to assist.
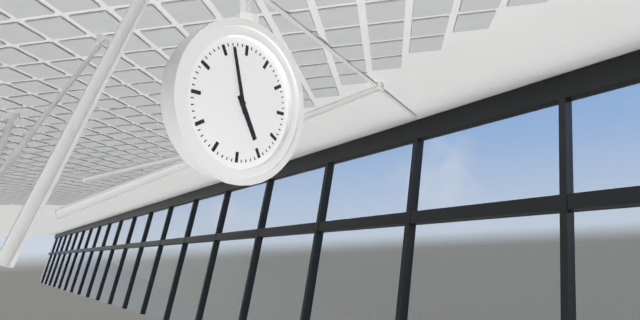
4:57
